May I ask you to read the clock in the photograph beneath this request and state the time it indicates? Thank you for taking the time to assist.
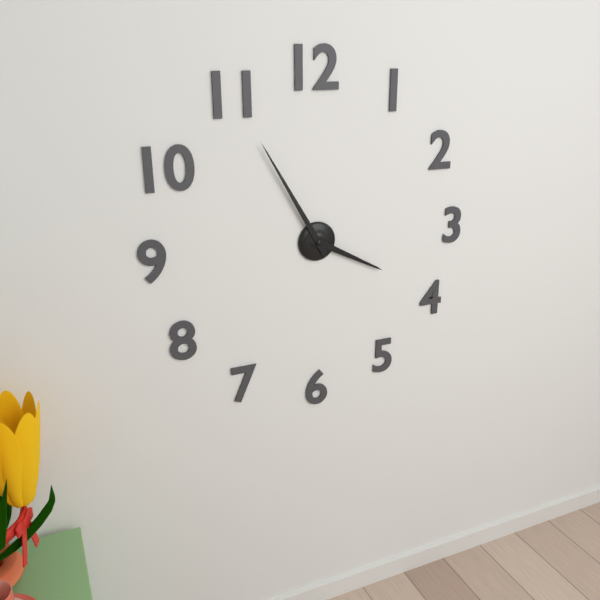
3:55
